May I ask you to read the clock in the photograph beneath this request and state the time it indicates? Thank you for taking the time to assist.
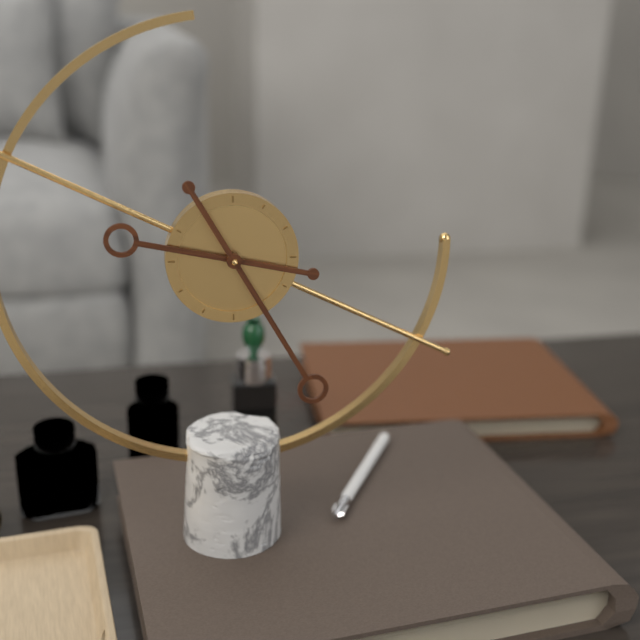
9:25
